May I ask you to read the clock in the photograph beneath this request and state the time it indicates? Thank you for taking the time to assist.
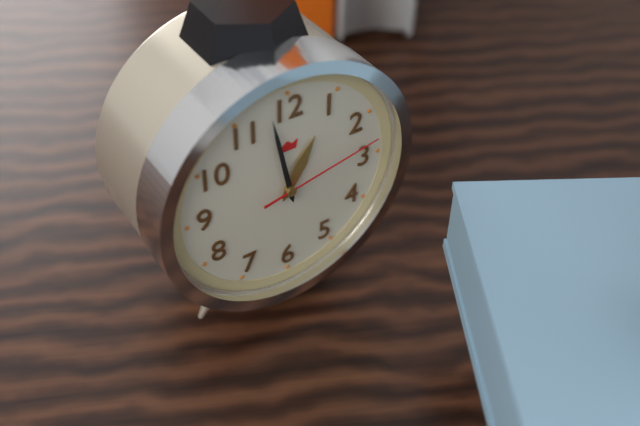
12:58:13
